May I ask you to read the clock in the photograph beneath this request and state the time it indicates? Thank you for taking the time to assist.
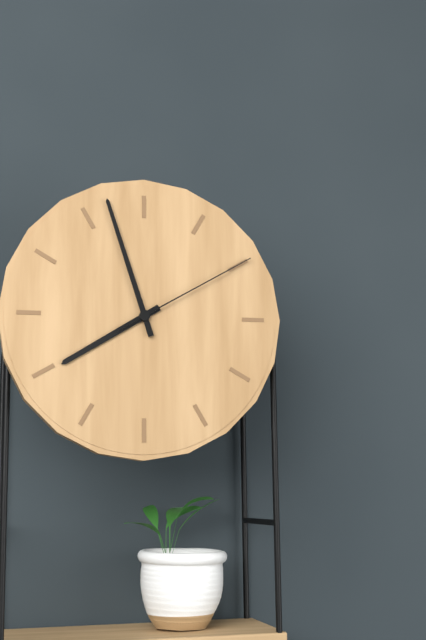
7:57:10
